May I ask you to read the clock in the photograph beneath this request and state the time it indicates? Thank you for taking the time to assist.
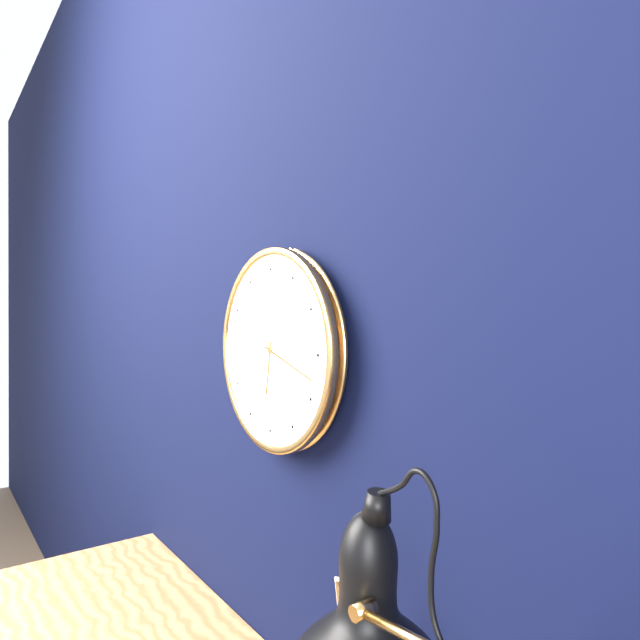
6:18
